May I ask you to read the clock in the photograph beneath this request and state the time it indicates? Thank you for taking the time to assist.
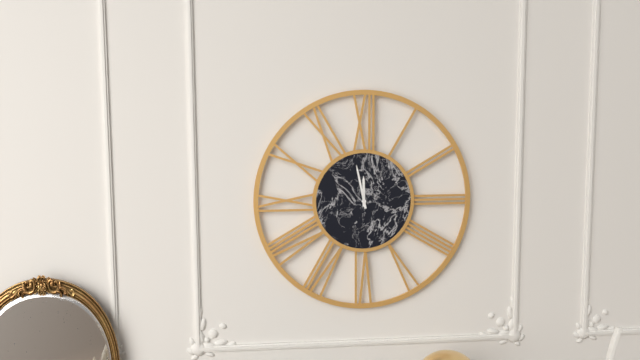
11:58
